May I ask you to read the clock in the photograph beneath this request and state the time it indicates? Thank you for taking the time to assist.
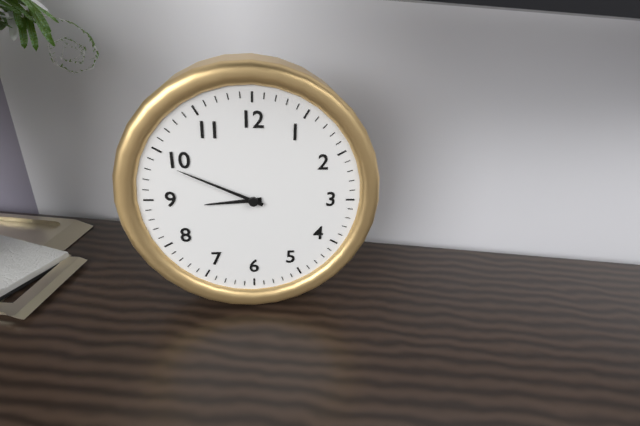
8:49
